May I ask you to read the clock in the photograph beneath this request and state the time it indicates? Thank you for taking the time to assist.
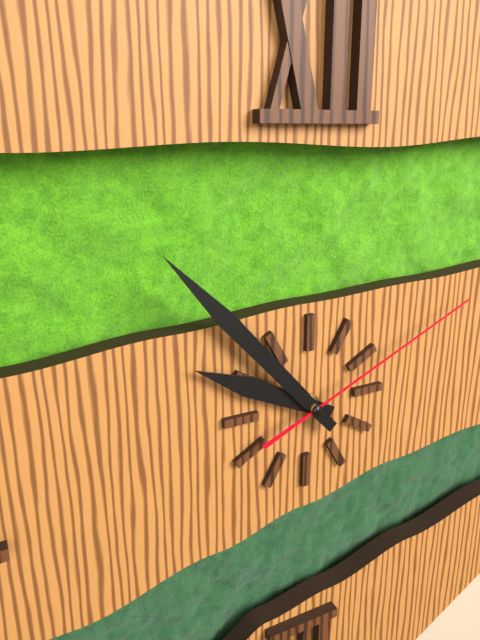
9:53:11
